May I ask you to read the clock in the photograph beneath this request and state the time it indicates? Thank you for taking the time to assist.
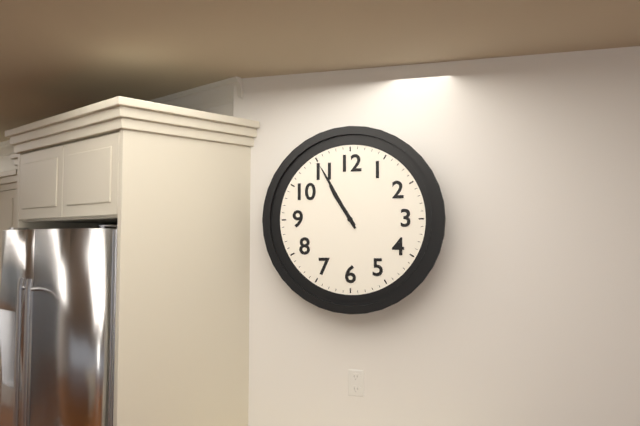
10:55
